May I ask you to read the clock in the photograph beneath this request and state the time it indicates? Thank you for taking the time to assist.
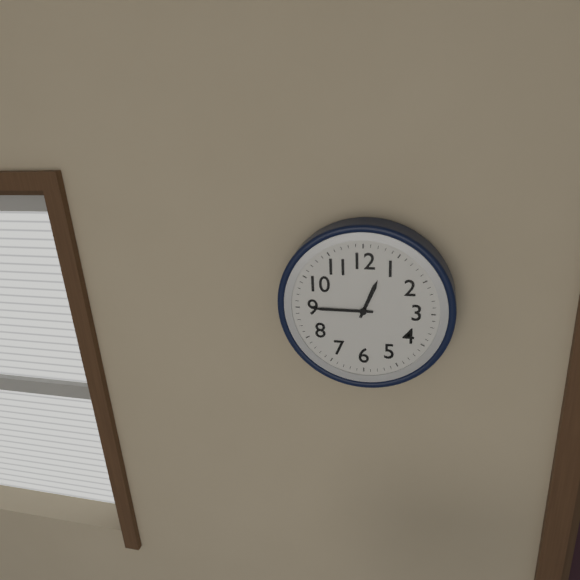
12:45
